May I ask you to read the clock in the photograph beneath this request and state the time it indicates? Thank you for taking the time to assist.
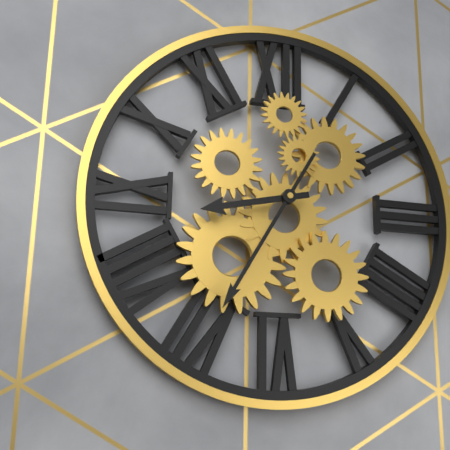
8:35
